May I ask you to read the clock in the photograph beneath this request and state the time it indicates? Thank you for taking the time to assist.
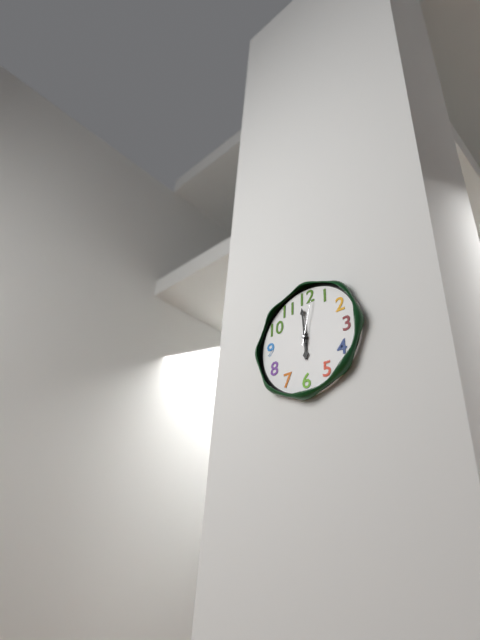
5:59
